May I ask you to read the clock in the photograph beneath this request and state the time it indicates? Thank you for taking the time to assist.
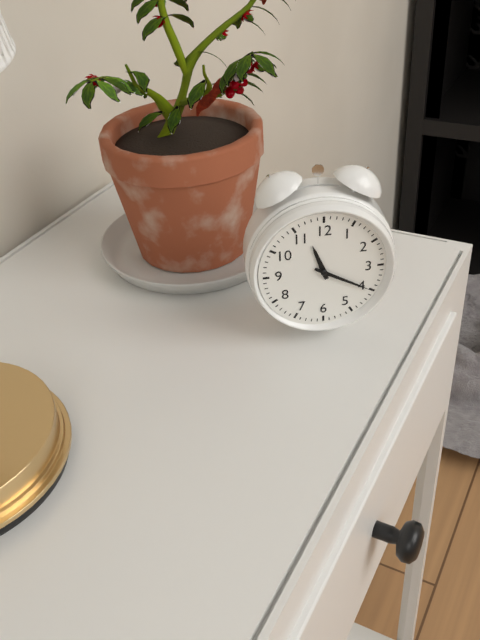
11:20
